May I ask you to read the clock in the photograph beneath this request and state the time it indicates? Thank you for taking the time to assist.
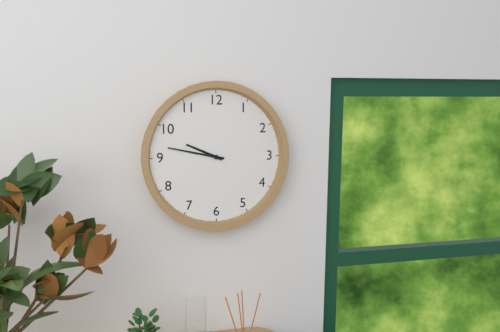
9:47
